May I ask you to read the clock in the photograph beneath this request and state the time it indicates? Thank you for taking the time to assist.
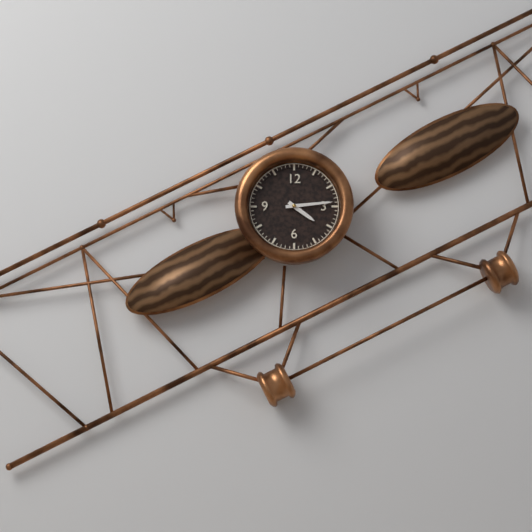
4:14
